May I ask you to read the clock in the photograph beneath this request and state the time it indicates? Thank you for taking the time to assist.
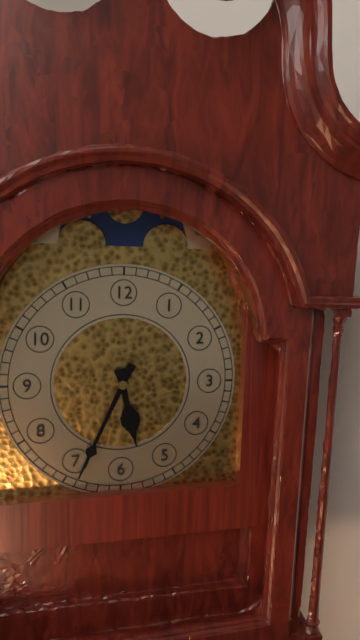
5:34
